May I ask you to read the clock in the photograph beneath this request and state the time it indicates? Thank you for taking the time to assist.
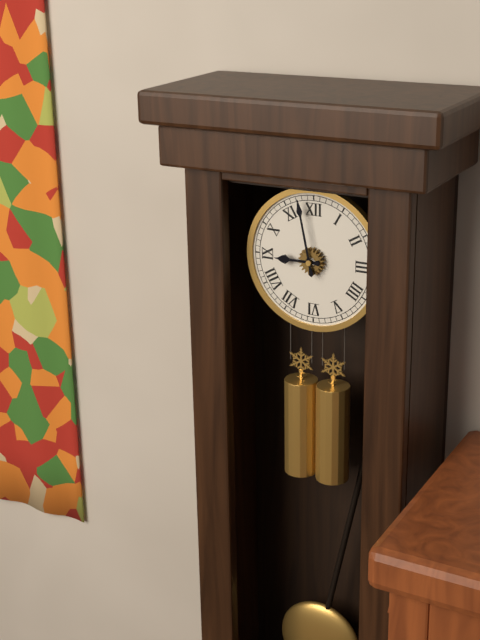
8:58
